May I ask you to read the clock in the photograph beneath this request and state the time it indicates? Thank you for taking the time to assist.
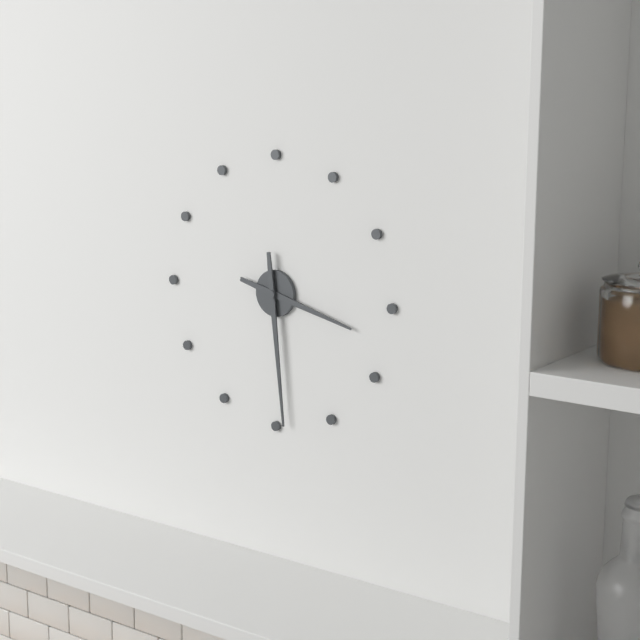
3:29
